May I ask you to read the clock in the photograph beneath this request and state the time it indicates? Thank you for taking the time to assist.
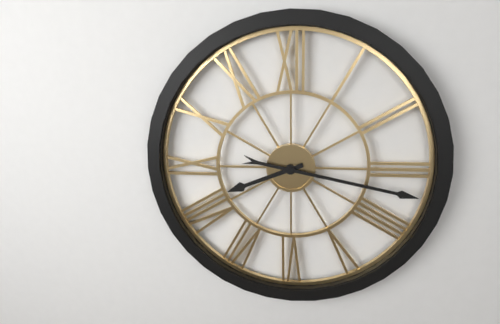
8:17
